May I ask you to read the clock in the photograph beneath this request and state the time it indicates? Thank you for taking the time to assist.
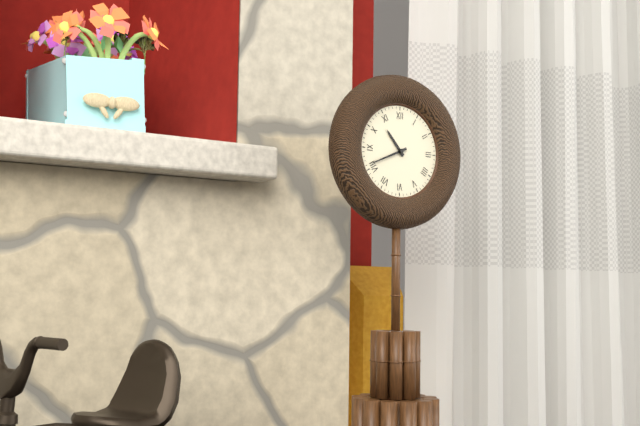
10:41
